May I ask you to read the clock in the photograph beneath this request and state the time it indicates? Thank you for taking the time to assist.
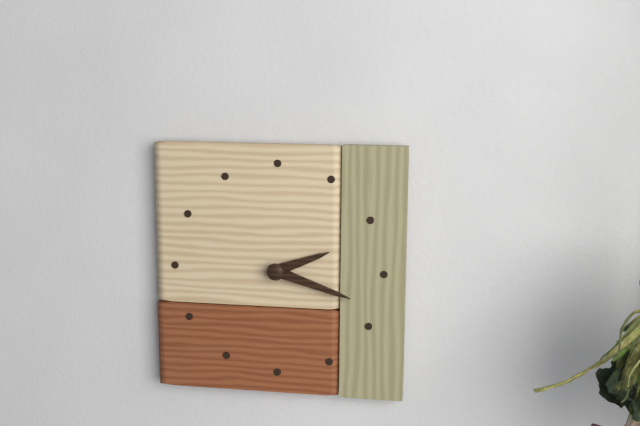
2:18
